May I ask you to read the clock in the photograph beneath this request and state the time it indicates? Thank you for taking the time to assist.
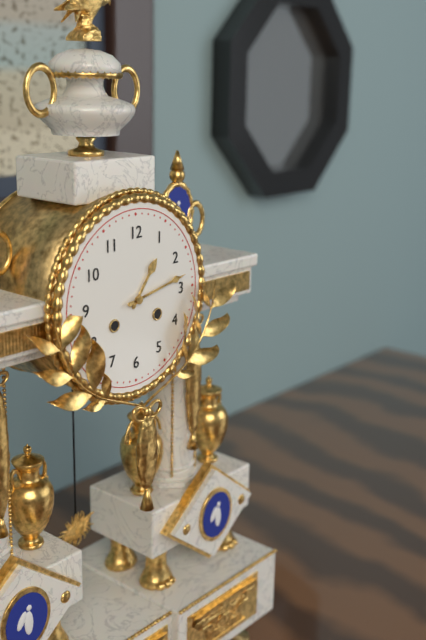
1:13
